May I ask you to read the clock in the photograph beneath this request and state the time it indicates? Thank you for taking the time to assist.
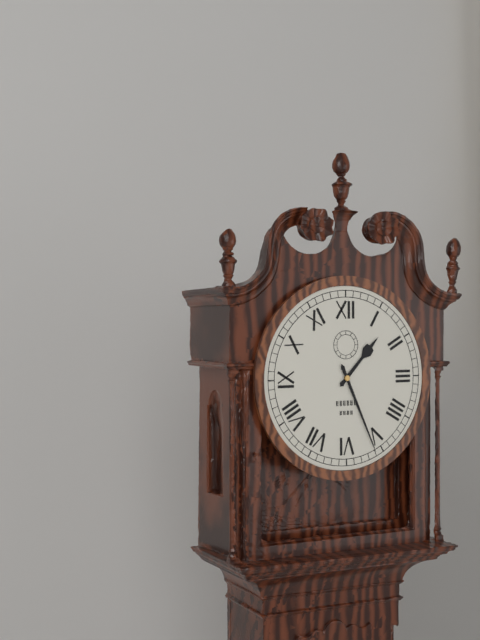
1:26
